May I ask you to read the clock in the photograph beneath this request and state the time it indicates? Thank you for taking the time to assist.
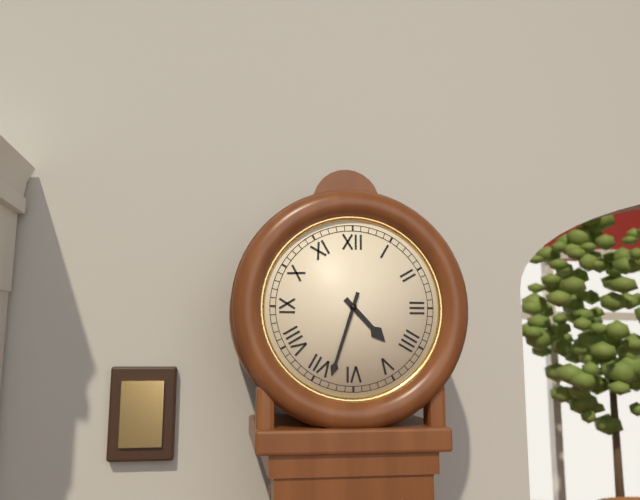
4:33
